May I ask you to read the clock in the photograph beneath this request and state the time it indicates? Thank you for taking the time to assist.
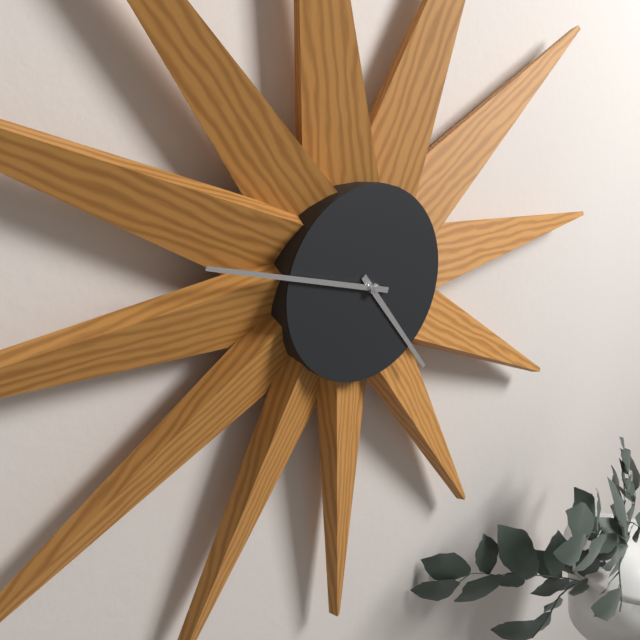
4:48
